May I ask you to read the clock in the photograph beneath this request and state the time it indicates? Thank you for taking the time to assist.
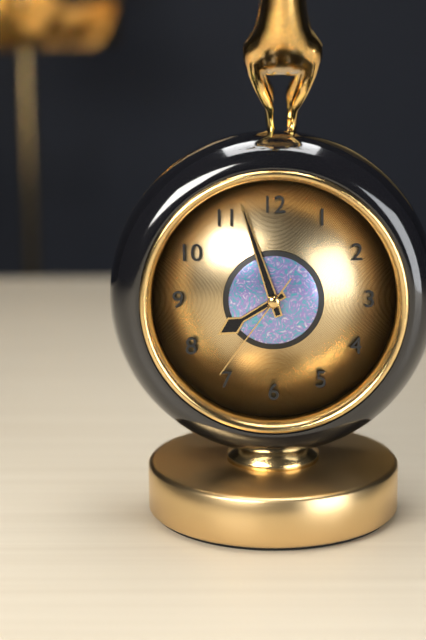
7:57:36
